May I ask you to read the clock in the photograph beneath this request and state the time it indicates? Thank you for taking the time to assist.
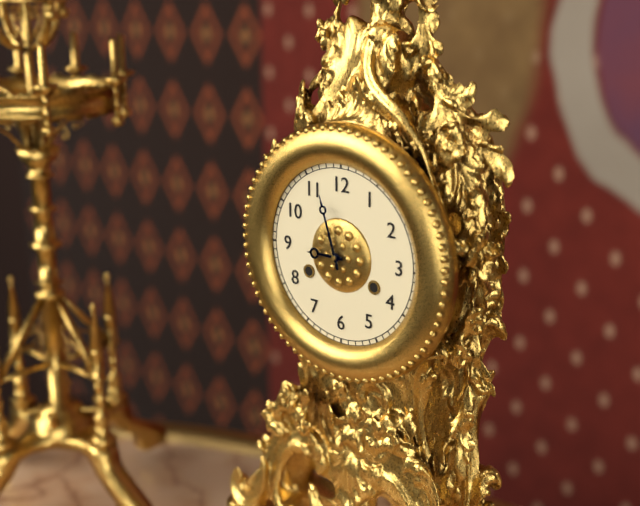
8:57
